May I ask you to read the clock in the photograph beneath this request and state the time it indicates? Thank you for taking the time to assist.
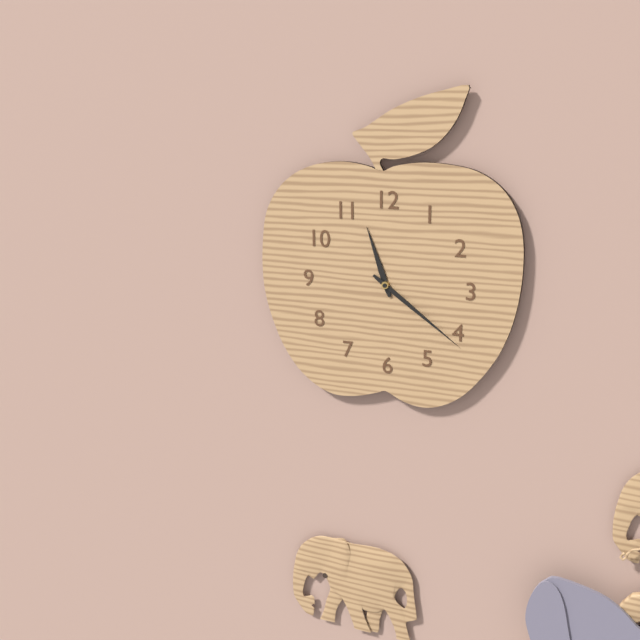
11:21
